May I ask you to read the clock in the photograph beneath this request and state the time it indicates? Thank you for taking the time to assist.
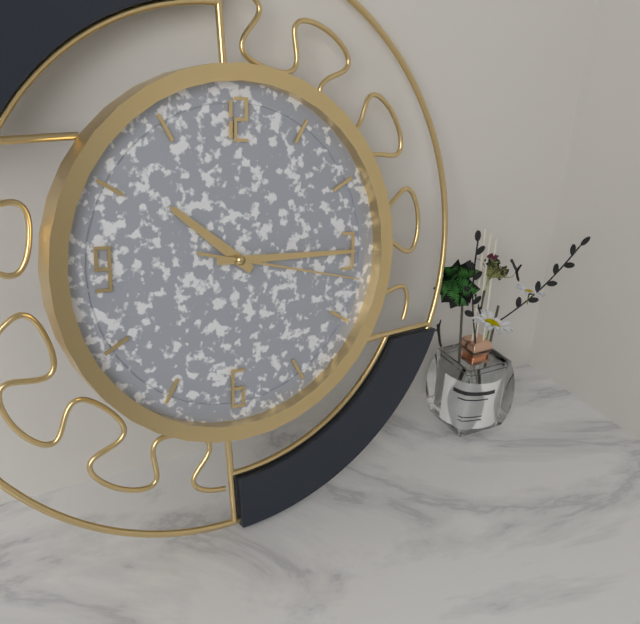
10:15:17
